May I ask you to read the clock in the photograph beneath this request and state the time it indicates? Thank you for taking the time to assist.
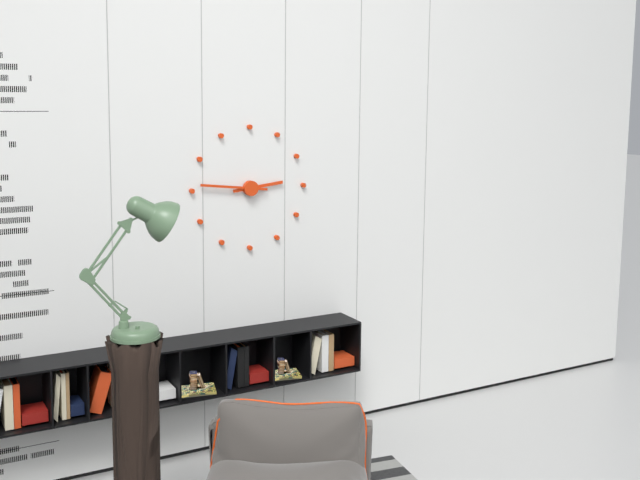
2:46
